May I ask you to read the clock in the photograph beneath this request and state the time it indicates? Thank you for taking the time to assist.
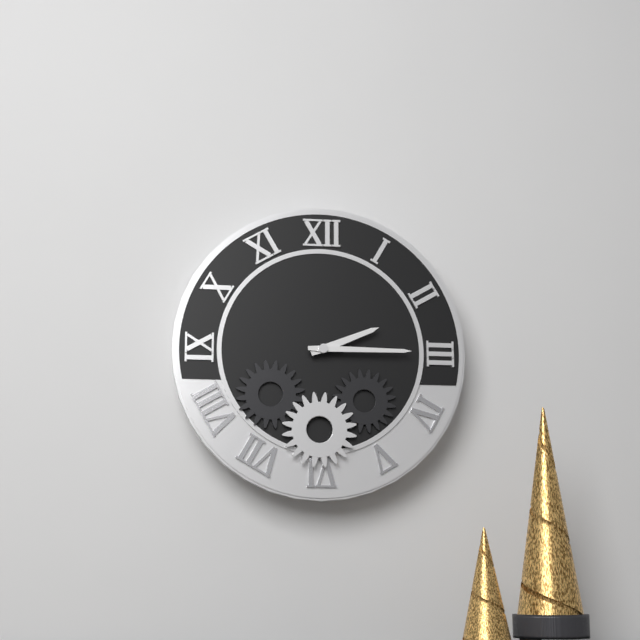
2:15
